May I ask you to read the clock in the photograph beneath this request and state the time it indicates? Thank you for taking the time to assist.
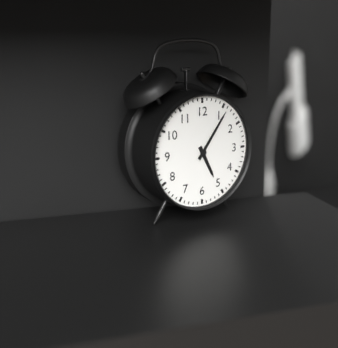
5:06
